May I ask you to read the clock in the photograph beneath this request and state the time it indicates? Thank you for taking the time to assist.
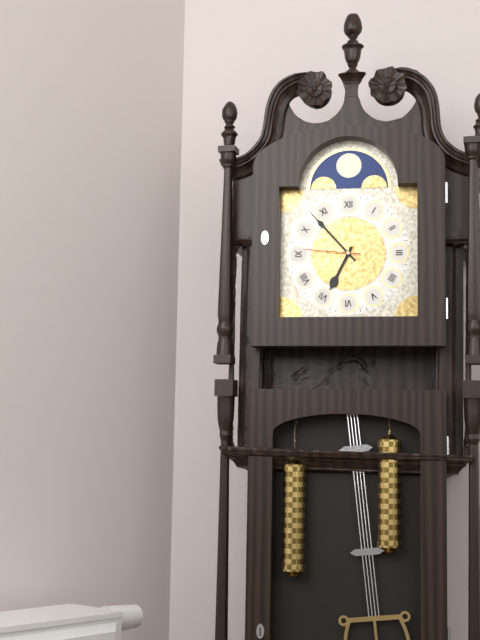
6:53:46
